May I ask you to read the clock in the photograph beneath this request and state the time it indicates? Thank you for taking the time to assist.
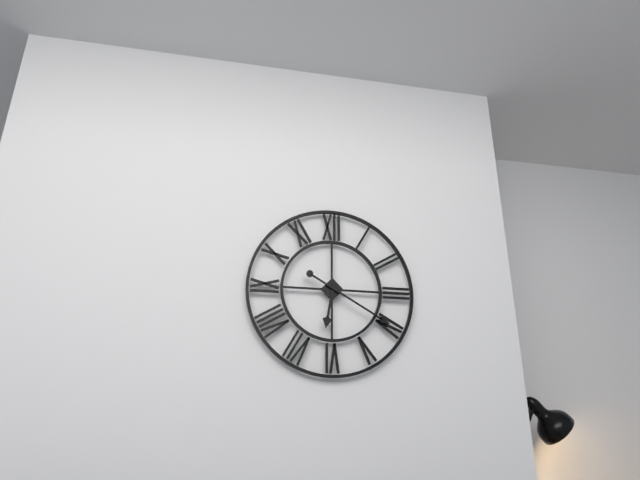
6:20
